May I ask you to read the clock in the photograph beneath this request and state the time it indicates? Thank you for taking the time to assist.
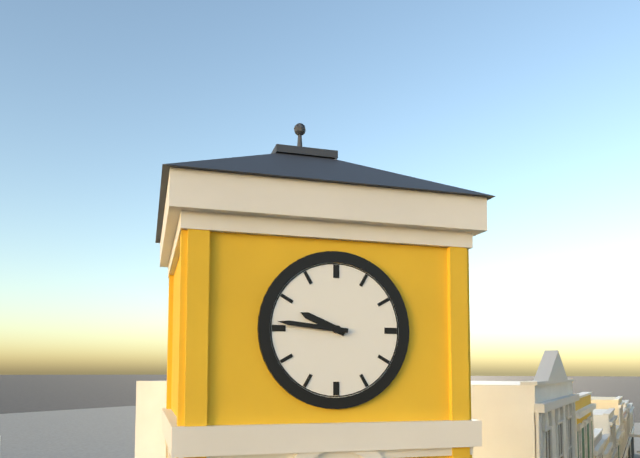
9:46
